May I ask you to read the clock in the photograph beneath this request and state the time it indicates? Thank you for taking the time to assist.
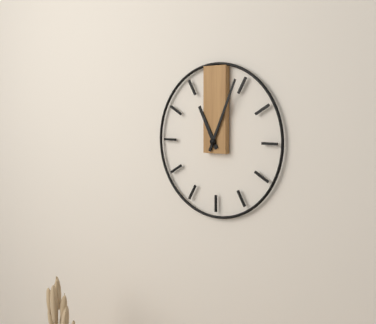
11:04
